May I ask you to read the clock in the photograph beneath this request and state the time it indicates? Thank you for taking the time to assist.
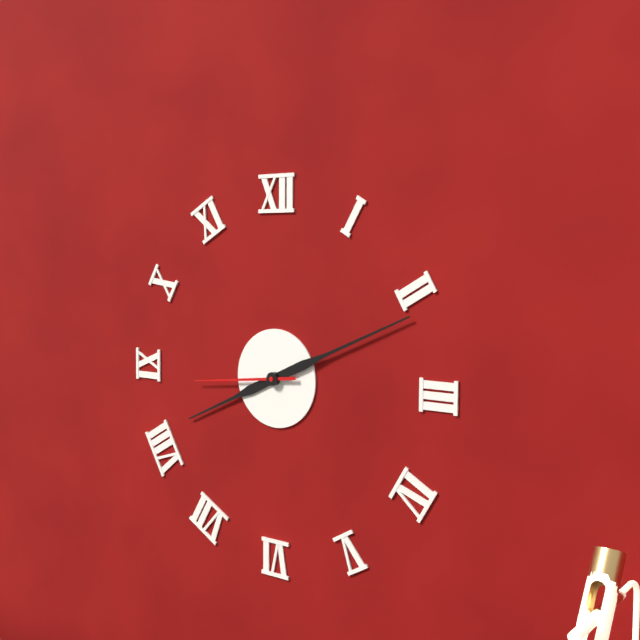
8:11:44
